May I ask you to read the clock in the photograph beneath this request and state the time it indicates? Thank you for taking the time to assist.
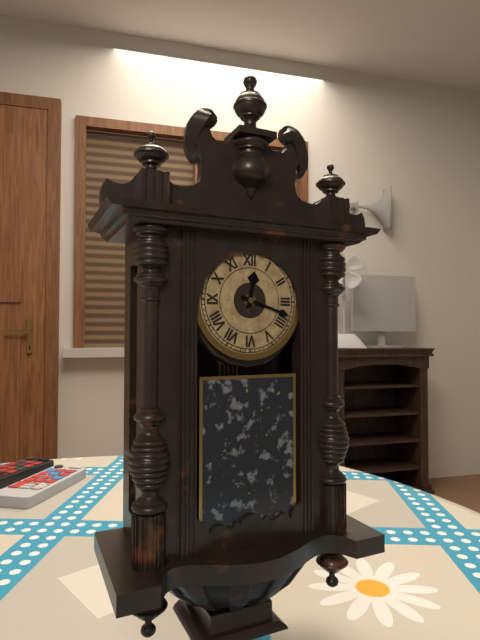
12:18
